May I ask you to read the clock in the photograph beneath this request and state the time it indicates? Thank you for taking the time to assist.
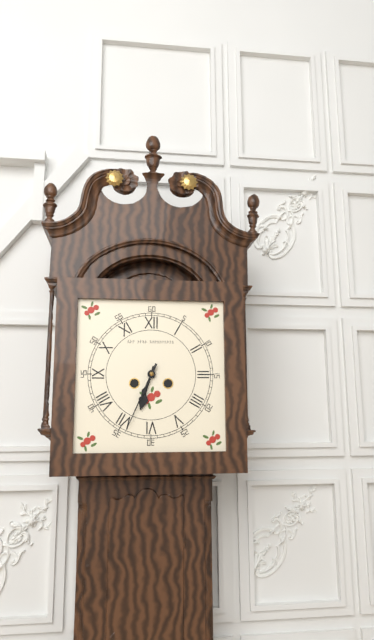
6:34
